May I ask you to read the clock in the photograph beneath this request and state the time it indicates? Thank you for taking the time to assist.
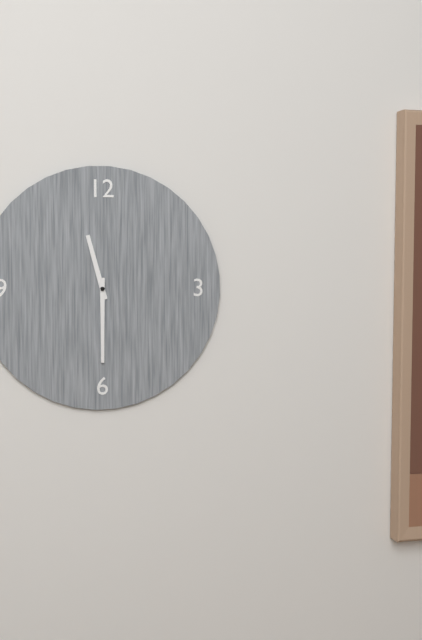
11:30
